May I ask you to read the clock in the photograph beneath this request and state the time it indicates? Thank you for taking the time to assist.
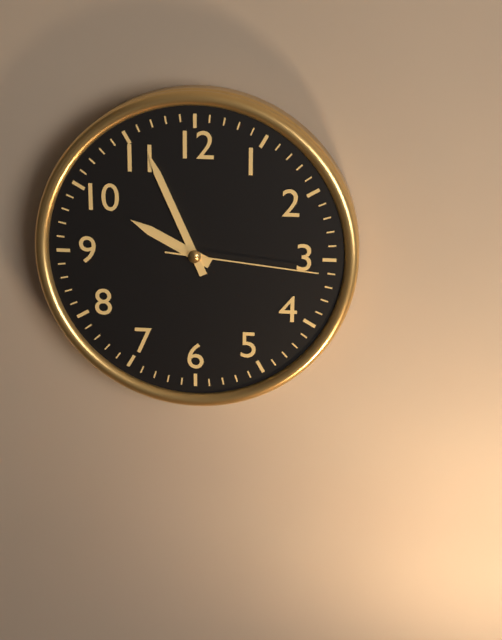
9:56:16
